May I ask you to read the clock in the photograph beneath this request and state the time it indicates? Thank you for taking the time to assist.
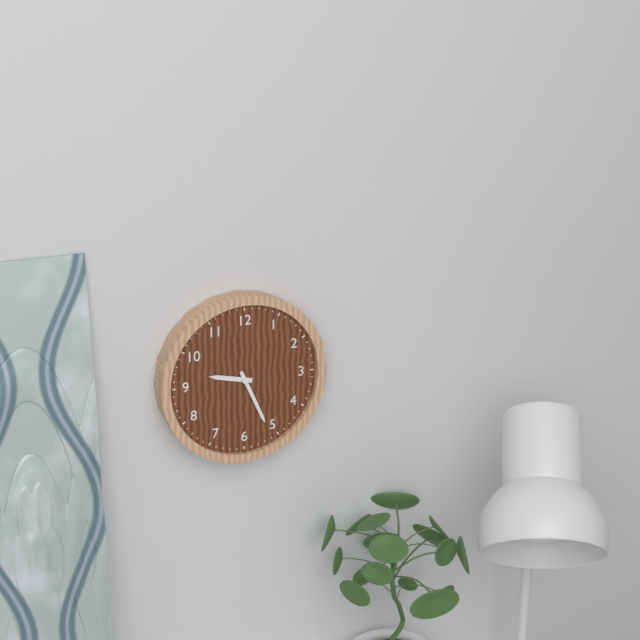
9:26
